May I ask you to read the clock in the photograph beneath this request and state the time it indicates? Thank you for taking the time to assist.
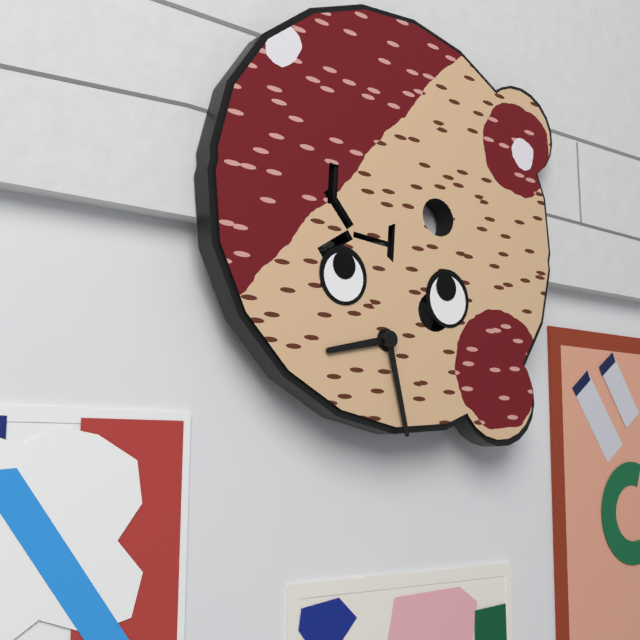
8:27
